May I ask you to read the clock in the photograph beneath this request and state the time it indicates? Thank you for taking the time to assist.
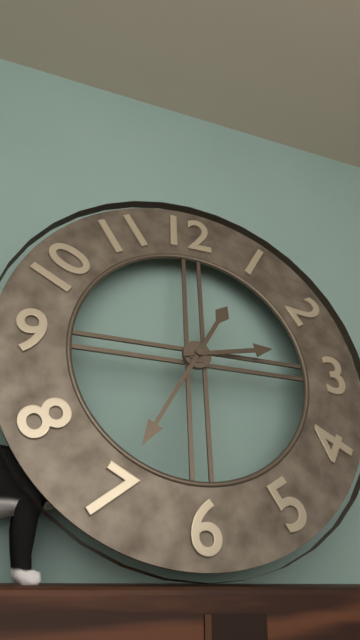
2:35
